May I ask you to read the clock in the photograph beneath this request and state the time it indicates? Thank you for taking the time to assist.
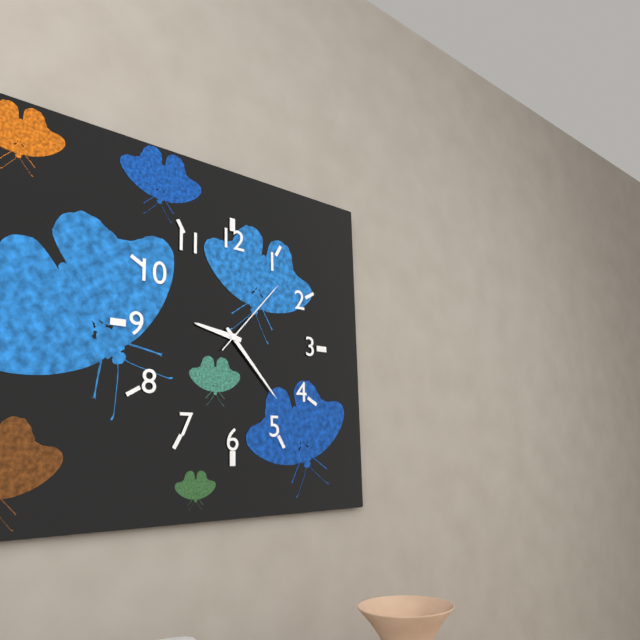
9:23:07
